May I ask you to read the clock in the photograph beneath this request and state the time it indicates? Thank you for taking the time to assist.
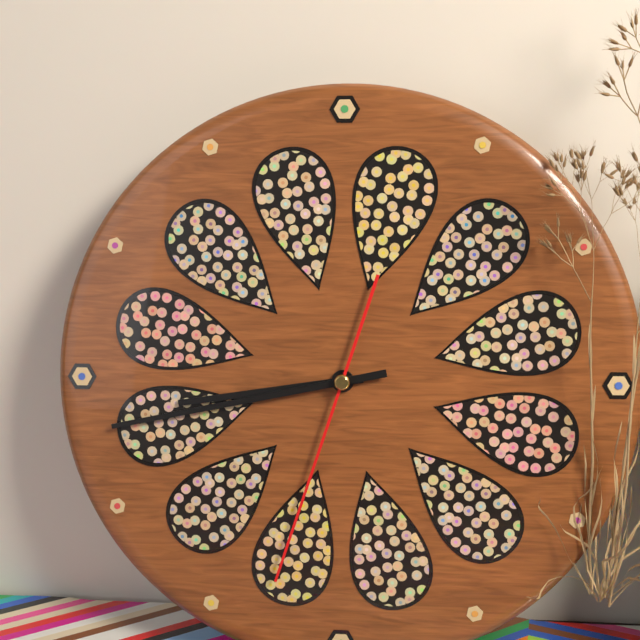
8:43:33
